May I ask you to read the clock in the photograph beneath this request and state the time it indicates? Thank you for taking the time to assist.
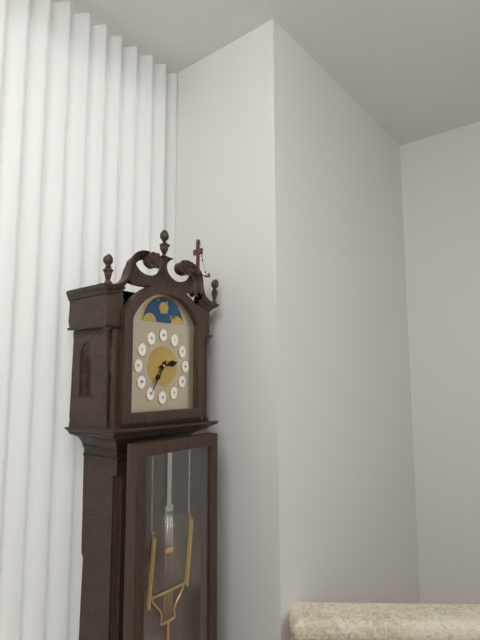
2:35
